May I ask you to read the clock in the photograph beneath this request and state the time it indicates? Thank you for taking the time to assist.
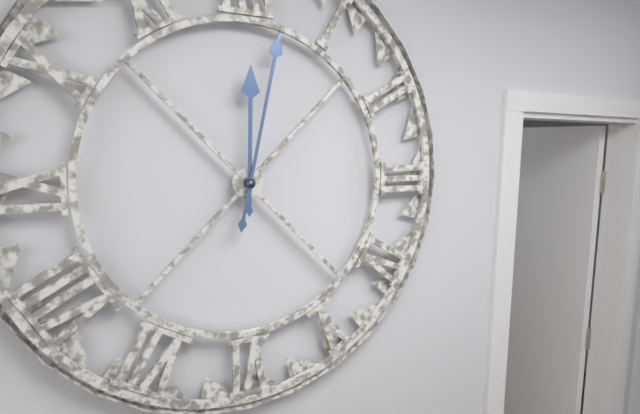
12:02
